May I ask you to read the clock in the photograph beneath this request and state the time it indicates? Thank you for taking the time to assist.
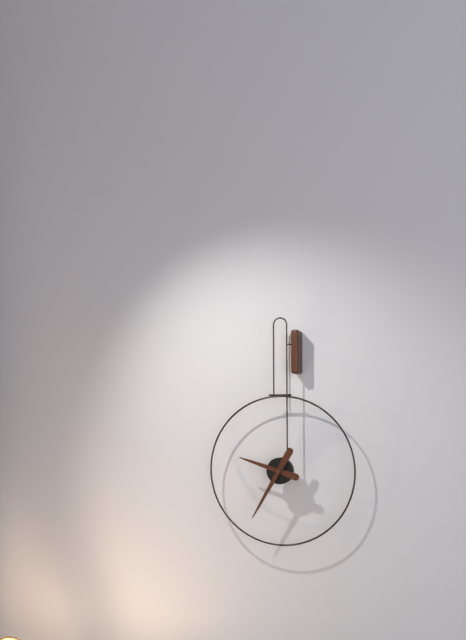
9:35
